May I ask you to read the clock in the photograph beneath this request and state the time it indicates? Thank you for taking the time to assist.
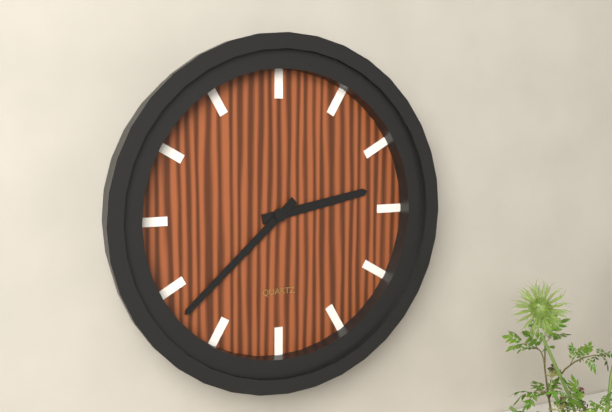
2:38
